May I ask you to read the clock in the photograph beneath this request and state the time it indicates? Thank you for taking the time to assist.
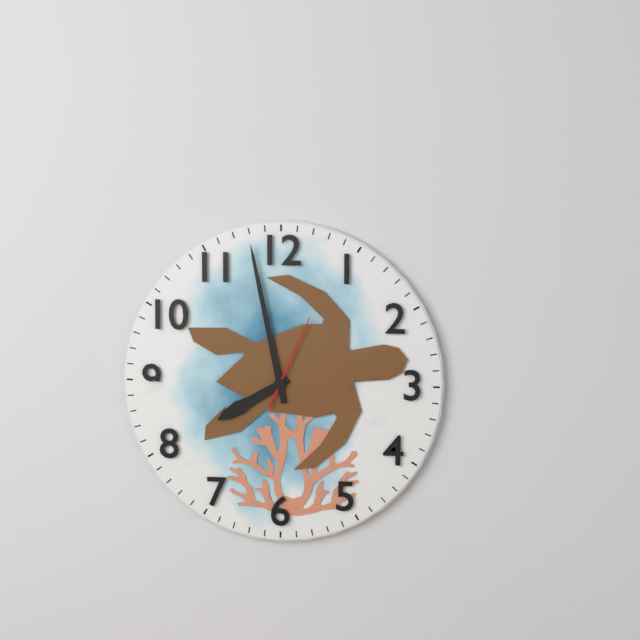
7:58:04
